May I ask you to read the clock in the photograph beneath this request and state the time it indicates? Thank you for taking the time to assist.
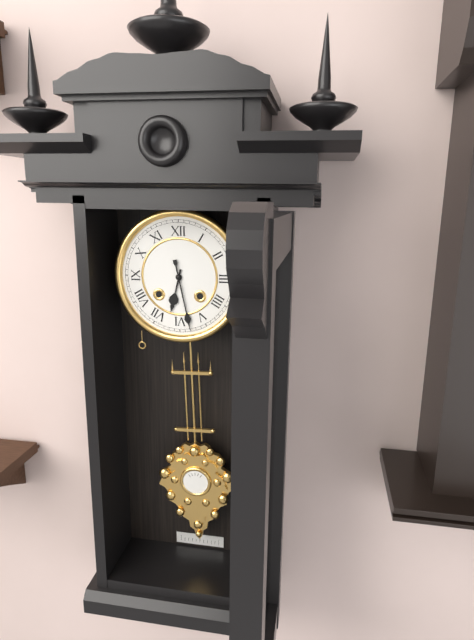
6:28
